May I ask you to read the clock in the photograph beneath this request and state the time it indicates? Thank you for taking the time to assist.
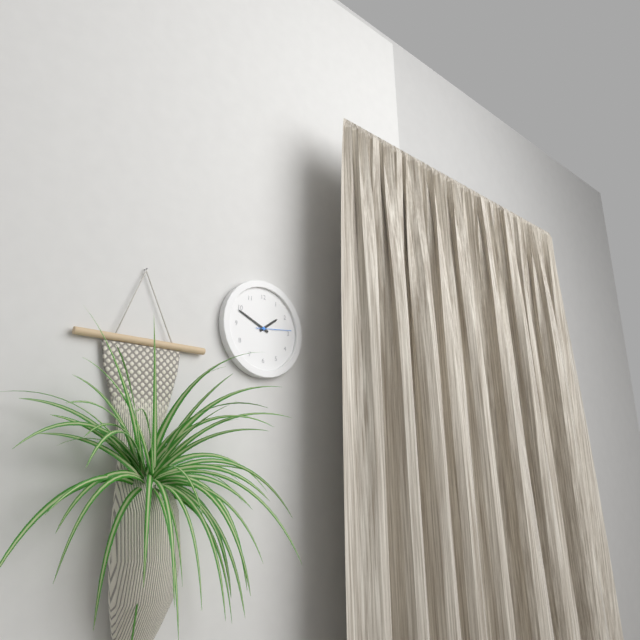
1:49
